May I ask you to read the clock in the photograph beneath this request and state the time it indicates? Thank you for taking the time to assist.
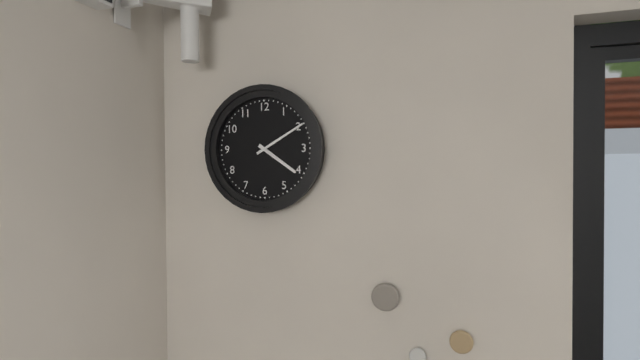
4:10
